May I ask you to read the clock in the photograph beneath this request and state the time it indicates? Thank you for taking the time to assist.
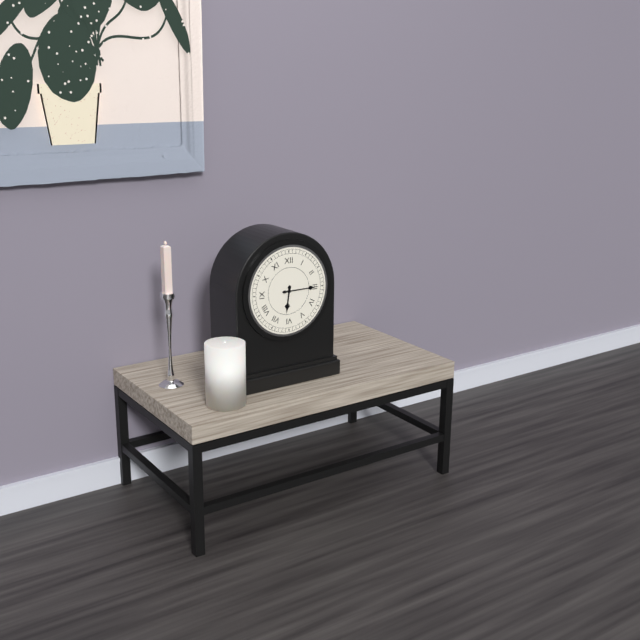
6:15
